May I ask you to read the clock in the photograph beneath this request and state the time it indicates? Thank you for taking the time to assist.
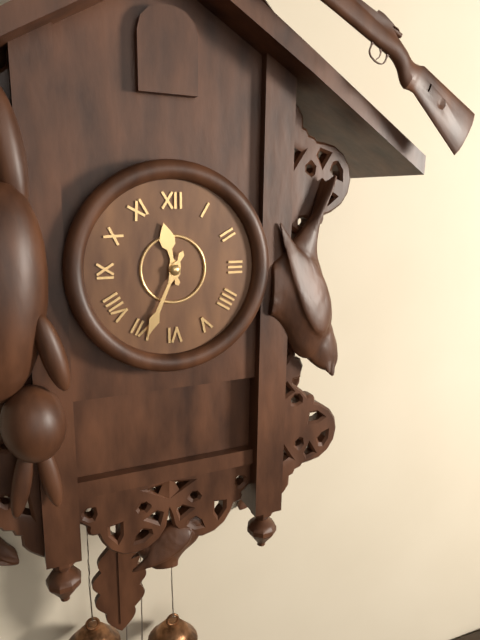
11:34
